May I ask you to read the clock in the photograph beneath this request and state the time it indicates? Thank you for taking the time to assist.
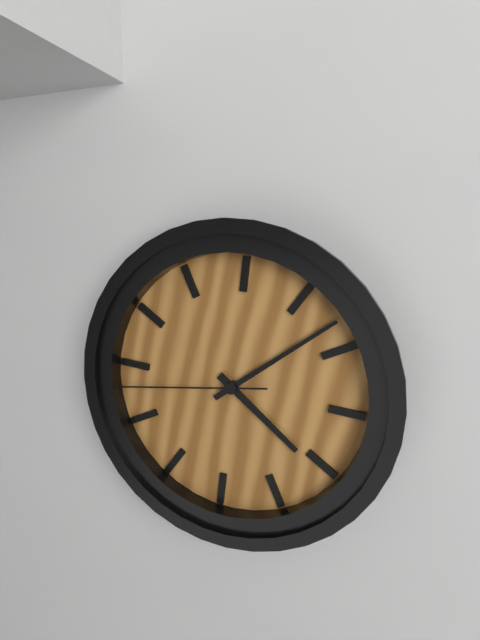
4:08:43
